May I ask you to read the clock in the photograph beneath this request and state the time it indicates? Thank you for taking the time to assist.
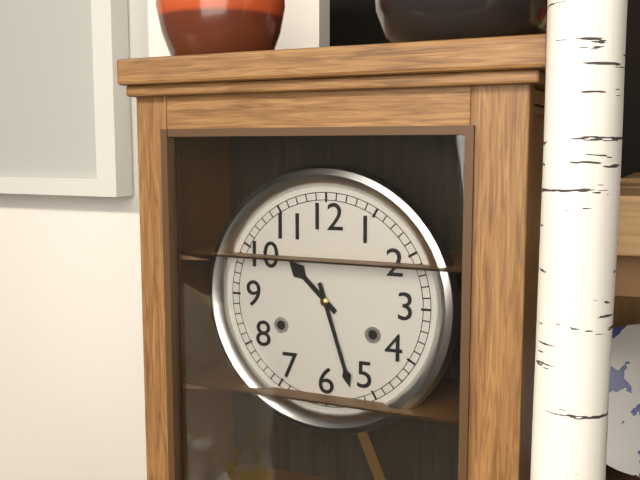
10:27
